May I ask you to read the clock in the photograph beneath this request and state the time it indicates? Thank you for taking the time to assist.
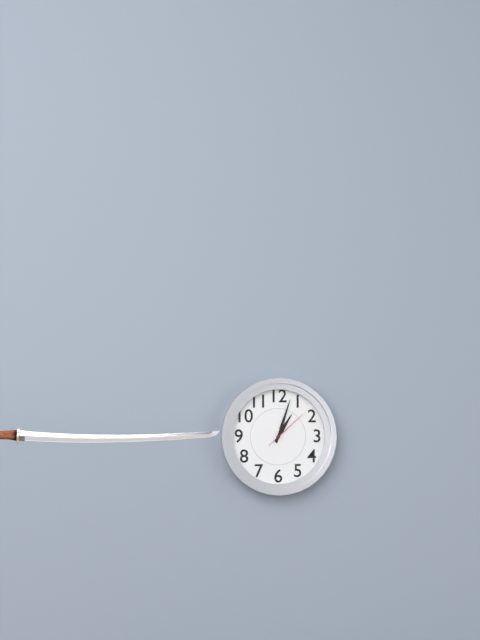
1:03
